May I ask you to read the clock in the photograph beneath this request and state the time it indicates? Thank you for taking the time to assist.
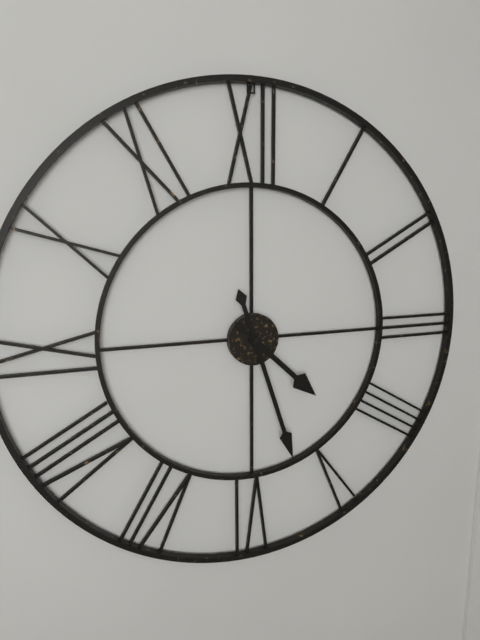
4:27
